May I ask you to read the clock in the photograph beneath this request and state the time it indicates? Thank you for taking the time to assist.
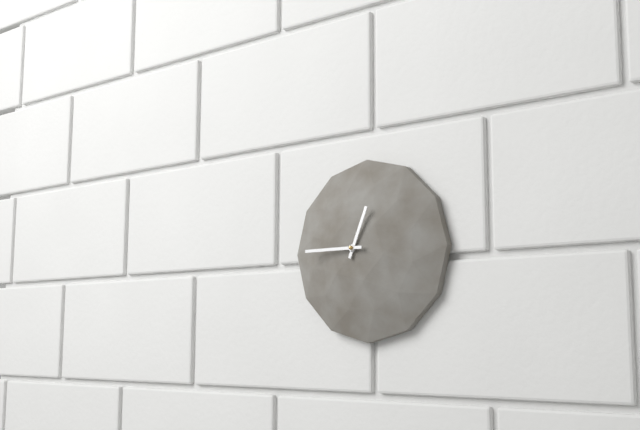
12:45
